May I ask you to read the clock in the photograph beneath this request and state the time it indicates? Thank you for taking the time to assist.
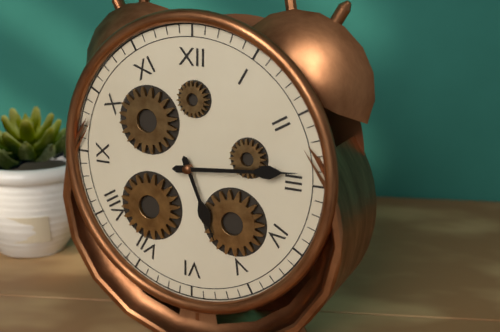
5:14
